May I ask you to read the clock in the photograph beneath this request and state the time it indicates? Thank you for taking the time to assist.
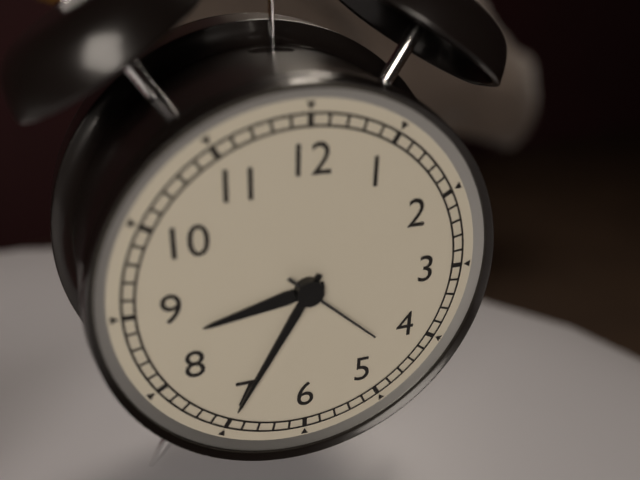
8:35:22
